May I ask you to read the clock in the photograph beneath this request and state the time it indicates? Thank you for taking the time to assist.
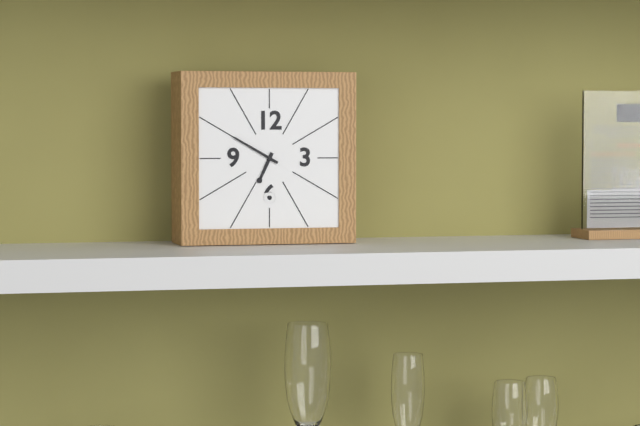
6:50
